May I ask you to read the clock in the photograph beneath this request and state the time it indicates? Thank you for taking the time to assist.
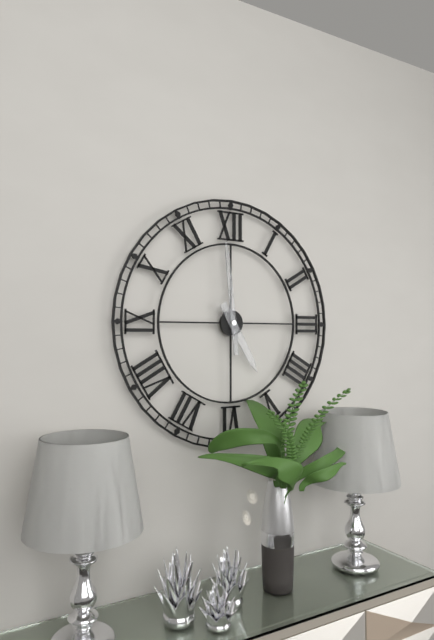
4:59
